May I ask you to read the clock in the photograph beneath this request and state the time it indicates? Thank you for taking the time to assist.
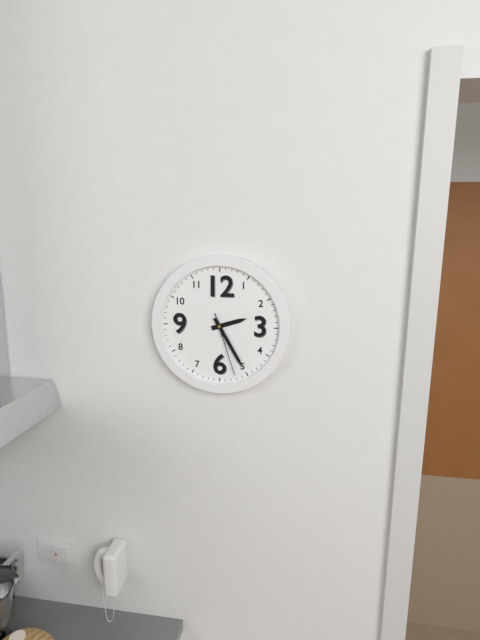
2:25:27
